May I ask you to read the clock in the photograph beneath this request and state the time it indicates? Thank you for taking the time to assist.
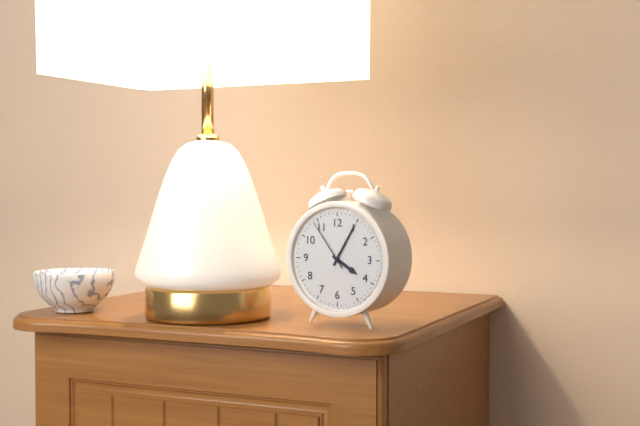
4:05:54
